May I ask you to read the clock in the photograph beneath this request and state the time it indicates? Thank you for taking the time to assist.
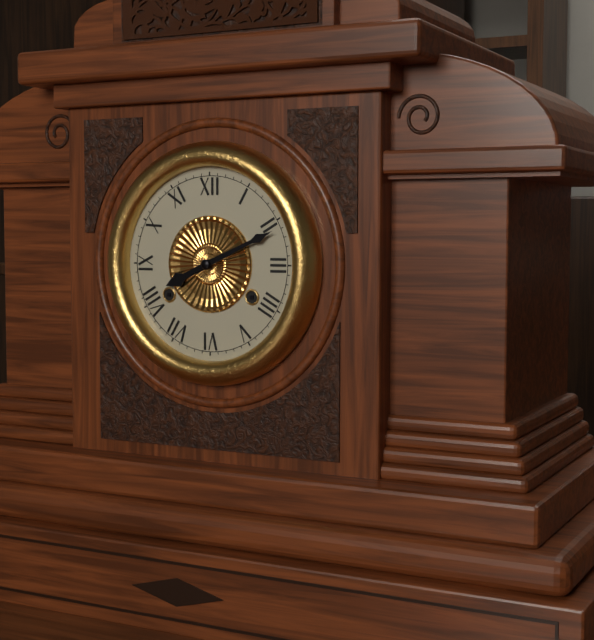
8:11
